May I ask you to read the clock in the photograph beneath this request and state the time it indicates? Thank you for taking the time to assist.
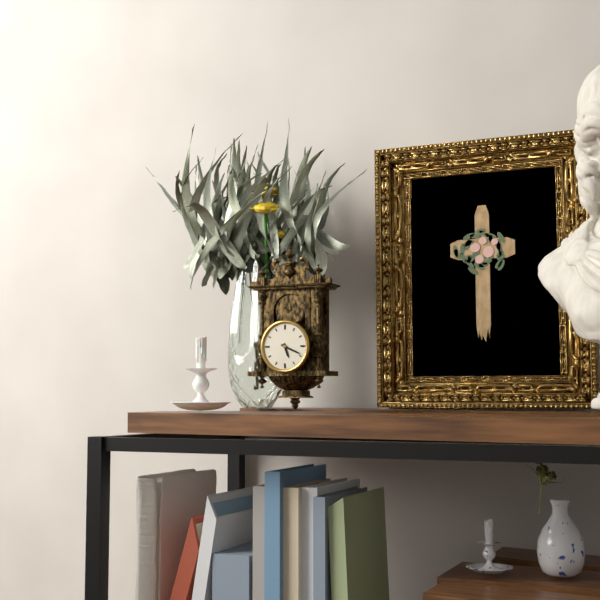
5:19
